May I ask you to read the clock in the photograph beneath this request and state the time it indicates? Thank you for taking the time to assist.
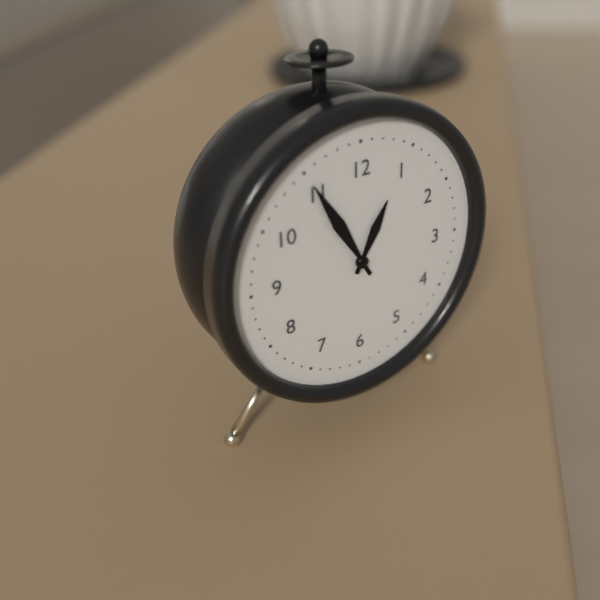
12:55
